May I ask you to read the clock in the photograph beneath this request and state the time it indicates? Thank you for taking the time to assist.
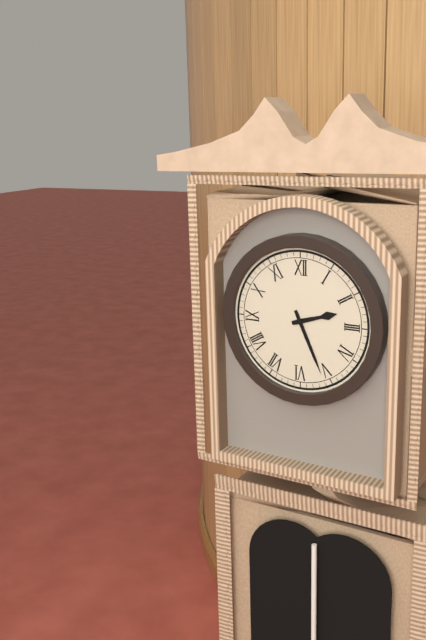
2:26
